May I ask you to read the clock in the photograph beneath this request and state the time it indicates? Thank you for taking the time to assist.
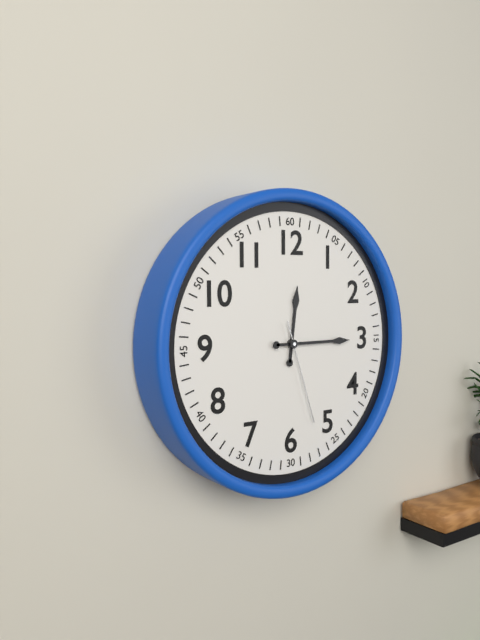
12:15:27
